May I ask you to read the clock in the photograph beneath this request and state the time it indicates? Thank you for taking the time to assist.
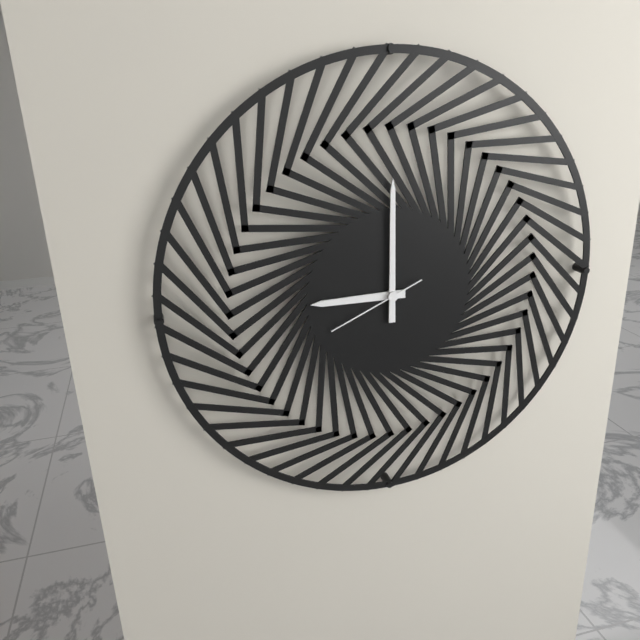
9:00:41
